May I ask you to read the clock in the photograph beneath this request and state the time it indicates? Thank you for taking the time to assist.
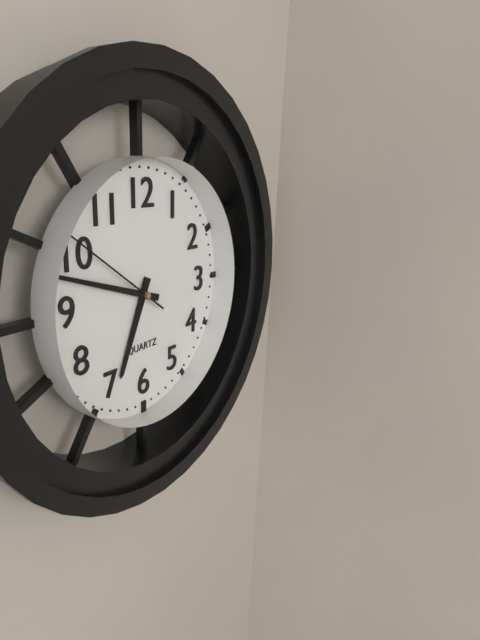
6:48:51
